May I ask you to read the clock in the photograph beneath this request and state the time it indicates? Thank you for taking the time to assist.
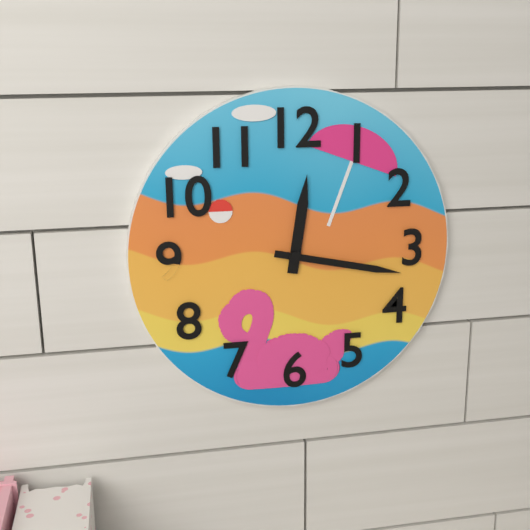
12:17
